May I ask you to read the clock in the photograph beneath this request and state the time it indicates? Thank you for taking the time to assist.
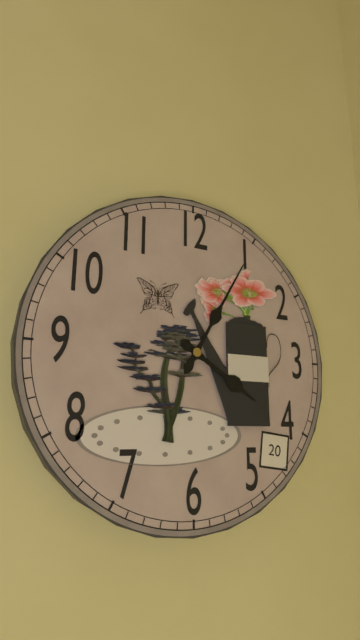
4:05
